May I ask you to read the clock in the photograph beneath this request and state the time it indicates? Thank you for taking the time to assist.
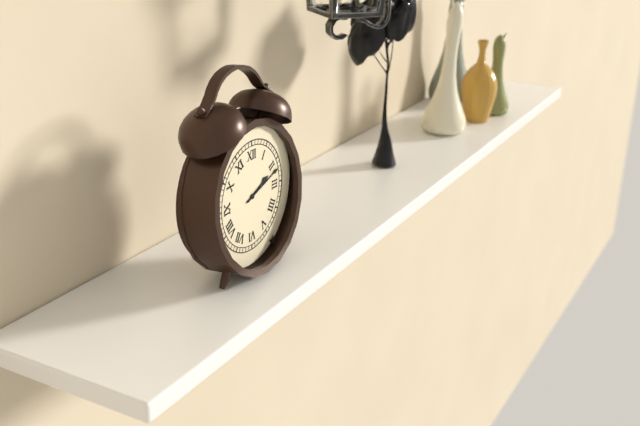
2:12
